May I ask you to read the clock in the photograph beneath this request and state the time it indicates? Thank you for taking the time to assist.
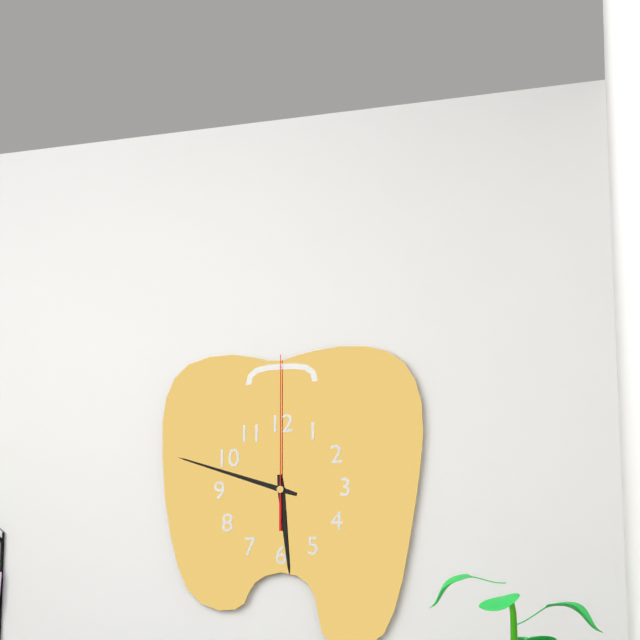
5:48:00
